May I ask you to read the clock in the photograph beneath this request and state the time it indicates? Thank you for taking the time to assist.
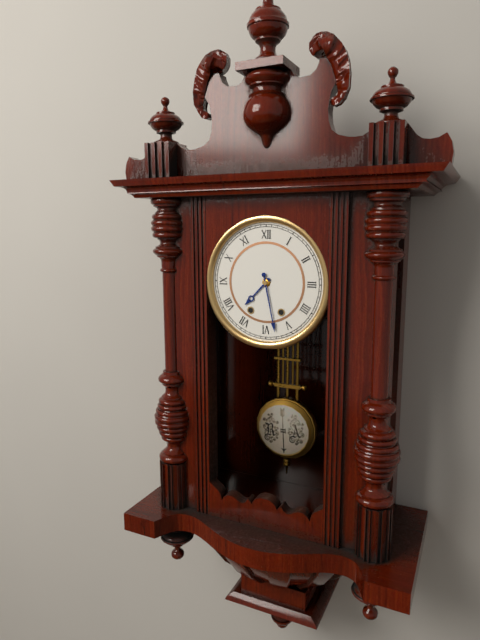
7:28
